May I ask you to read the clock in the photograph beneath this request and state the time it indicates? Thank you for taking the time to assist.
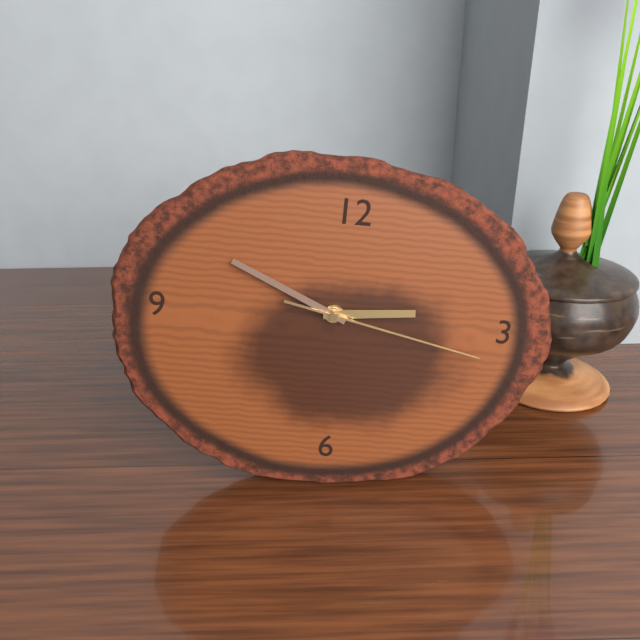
2:49:17
